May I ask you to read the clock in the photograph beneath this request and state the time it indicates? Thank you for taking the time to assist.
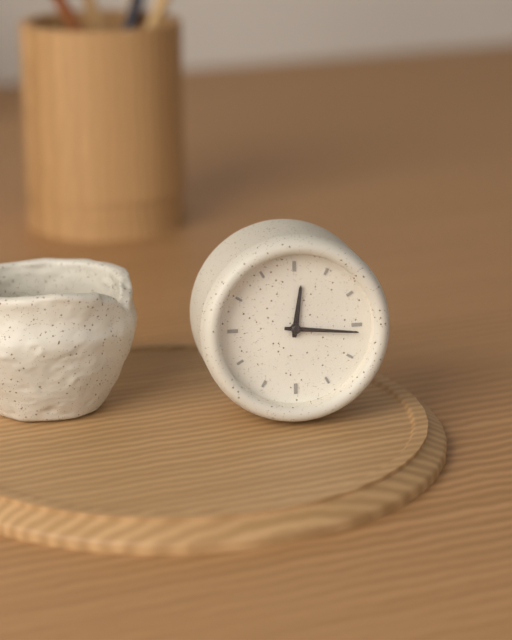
12:16
